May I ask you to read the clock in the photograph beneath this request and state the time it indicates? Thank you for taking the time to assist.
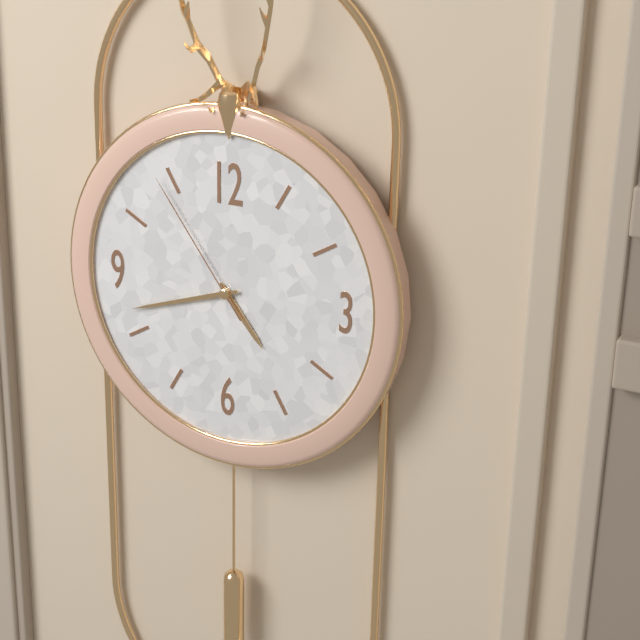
4:42:54
